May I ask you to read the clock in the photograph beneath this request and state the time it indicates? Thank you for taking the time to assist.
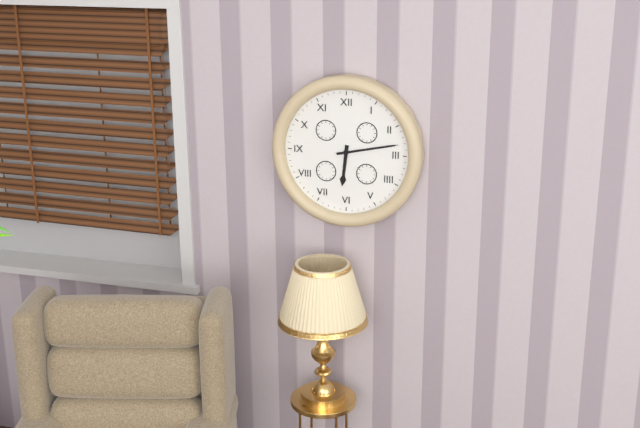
6:13
